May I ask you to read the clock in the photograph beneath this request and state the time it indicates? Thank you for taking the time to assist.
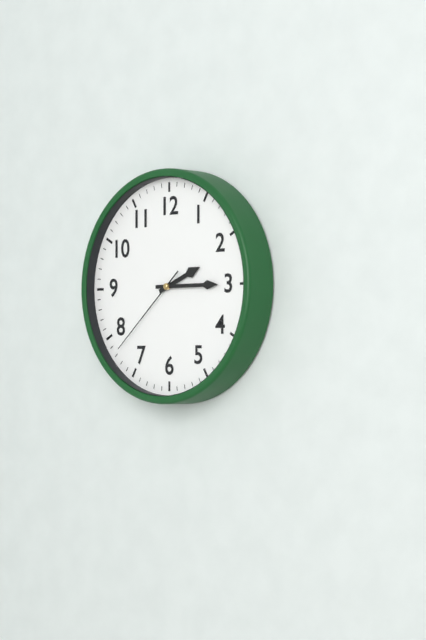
2:15:38
